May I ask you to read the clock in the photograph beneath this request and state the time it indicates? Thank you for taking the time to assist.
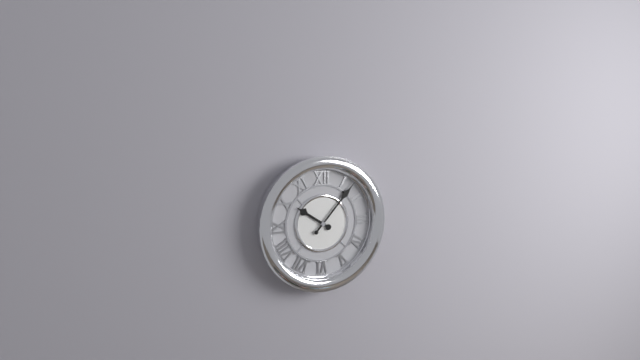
10:07
